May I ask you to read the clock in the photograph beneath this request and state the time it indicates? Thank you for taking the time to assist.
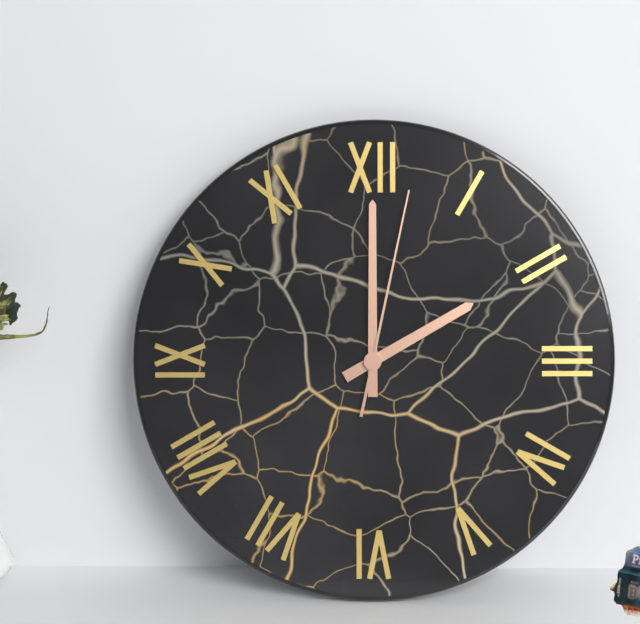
2:00:02
